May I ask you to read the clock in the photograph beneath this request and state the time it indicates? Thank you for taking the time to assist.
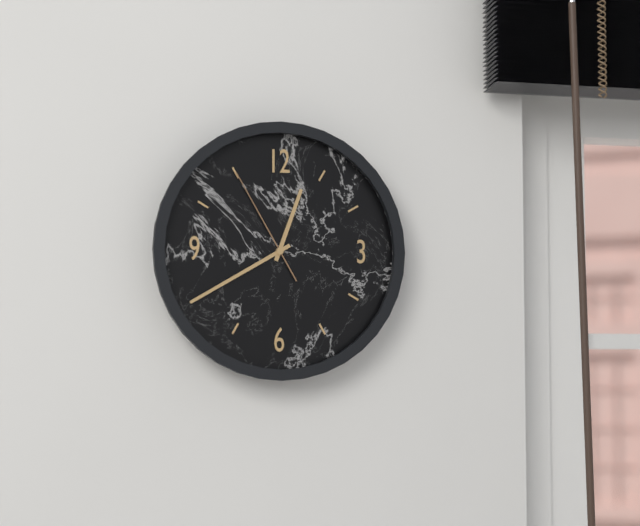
12:40:55
